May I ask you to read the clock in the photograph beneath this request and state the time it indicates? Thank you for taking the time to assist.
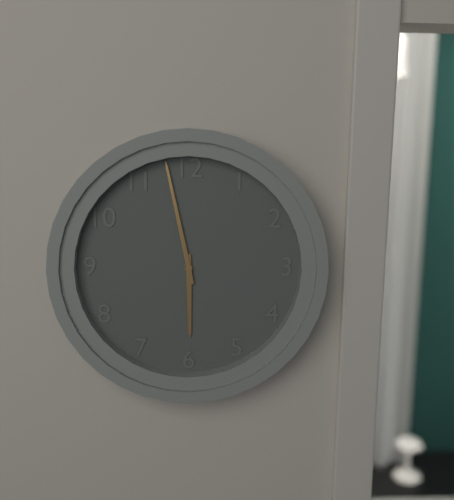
5:58
